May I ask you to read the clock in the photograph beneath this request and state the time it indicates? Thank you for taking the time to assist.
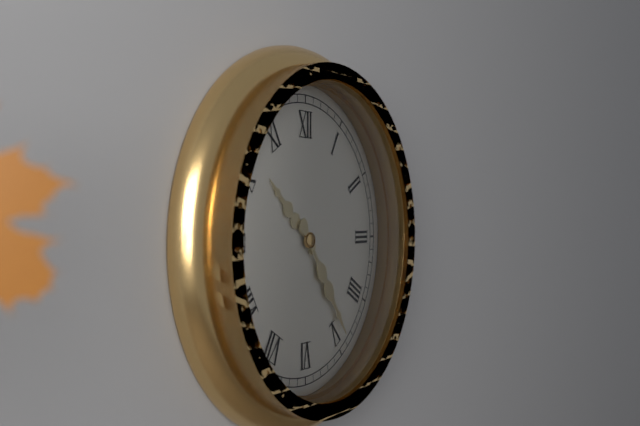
10:24
